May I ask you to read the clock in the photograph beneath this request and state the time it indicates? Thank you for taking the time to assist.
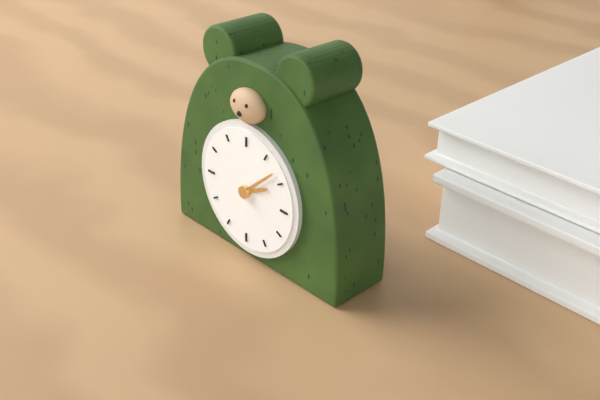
2:08
